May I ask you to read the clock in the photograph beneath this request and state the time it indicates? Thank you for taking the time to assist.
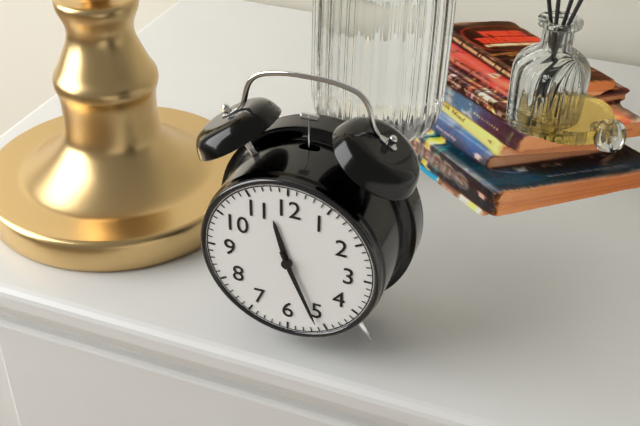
11:26
